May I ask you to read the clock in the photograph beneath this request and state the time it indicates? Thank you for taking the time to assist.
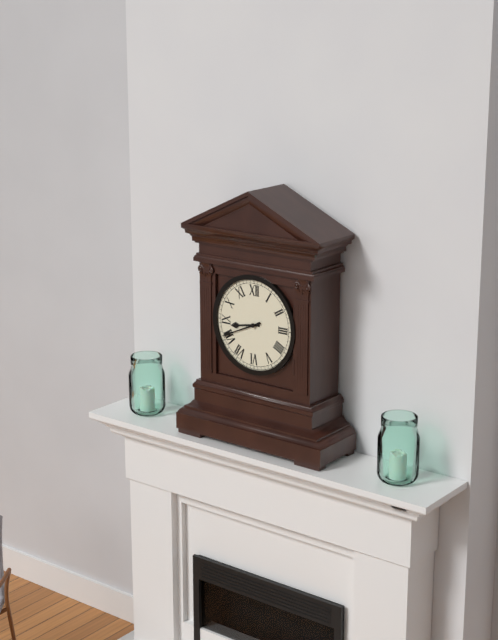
8:41
